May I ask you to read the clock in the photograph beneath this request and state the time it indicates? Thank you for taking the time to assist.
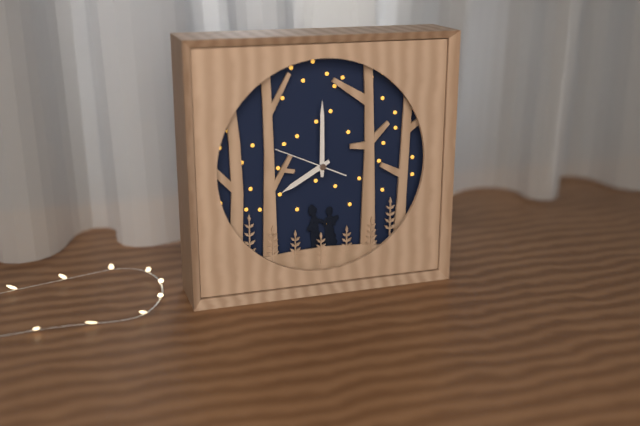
8:00:49
